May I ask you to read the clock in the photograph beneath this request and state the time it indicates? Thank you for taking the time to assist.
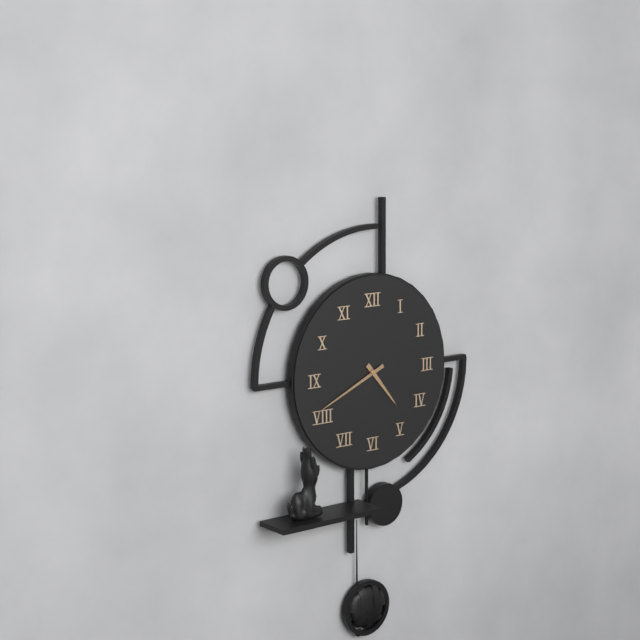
4:41
